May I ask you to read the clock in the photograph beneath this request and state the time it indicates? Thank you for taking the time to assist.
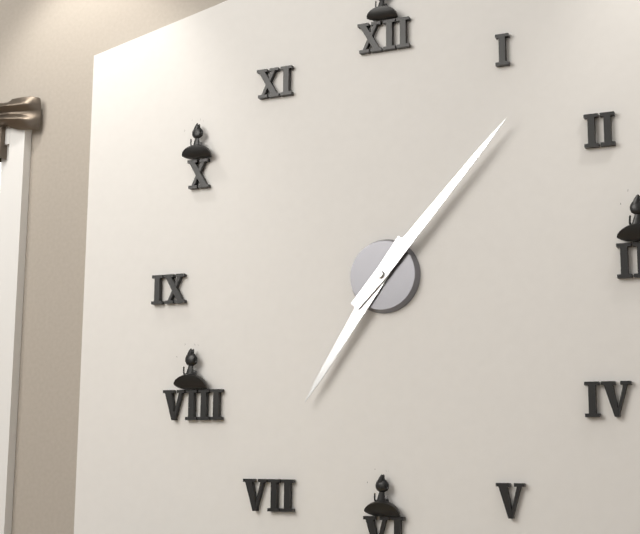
7:07
